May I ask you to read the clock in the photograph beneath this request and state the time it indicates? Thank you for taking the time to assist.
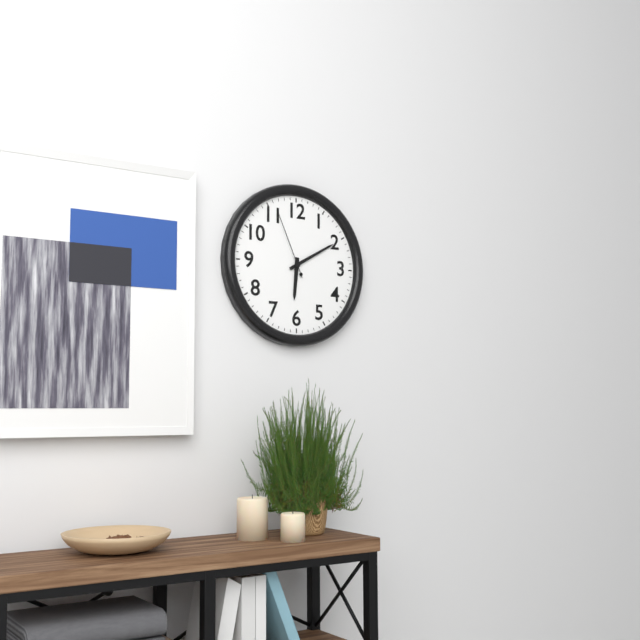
6:10:56
